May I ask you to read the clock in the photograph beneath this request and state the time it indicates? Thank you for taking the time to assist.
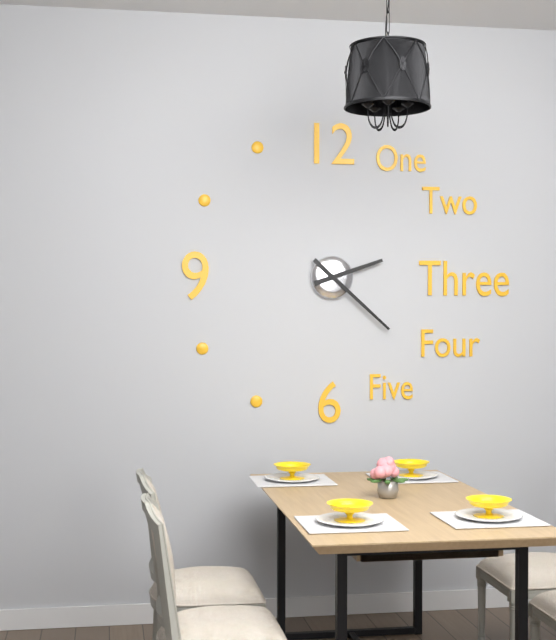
2:22
